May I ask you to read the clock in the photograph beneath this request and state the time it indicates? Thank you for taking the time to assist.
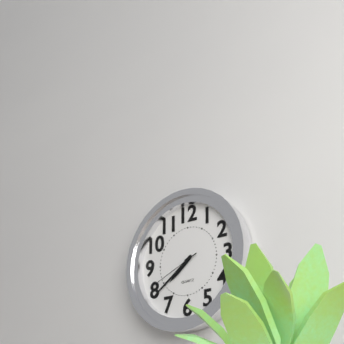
7:39:41
